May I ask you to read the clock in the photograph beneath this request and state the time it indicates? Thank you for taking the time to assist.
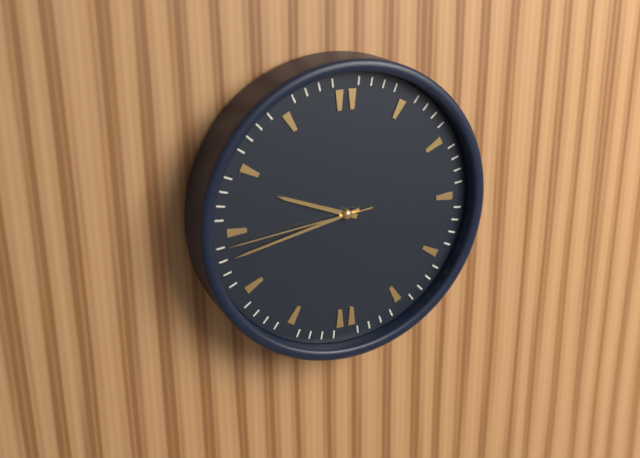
9:43:44
